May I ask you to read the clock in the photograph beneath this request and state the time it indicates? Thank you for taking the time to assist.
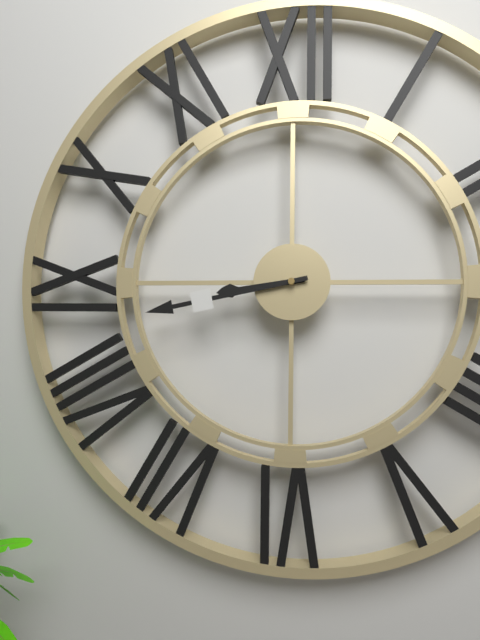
8:43
